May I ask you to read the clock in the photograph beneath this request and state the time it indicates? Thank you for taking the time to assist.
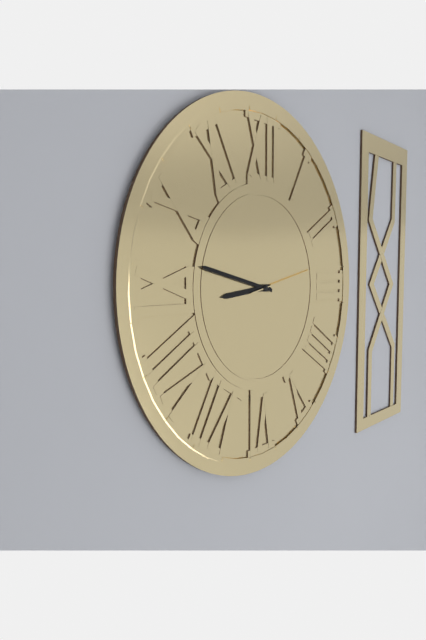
8:47:13
